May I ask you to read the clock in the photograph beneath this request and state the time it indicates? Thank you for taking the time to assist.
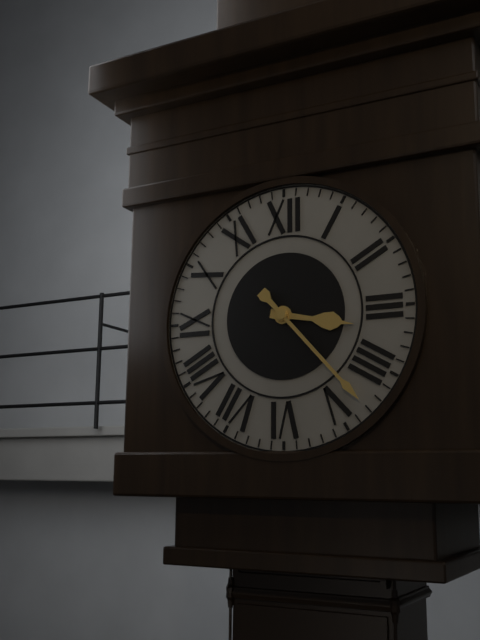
3:23
